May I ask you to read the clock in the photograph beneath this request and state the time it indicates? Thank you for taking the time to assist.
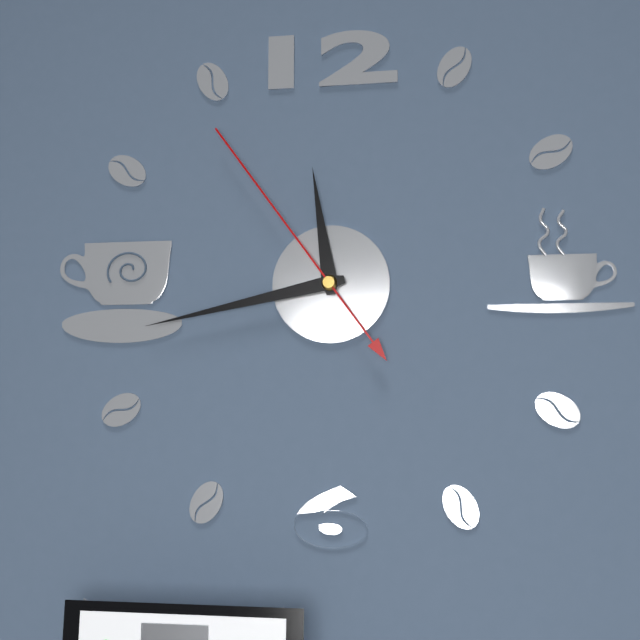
11:43:54
